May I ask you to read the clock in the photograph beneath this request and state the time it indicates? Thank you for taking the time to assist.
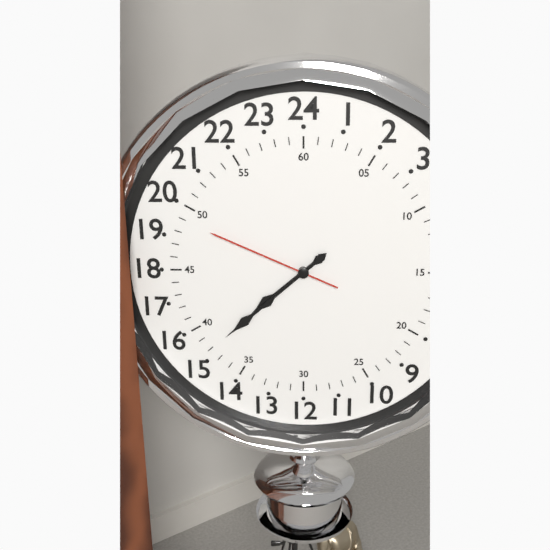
7:38:49
